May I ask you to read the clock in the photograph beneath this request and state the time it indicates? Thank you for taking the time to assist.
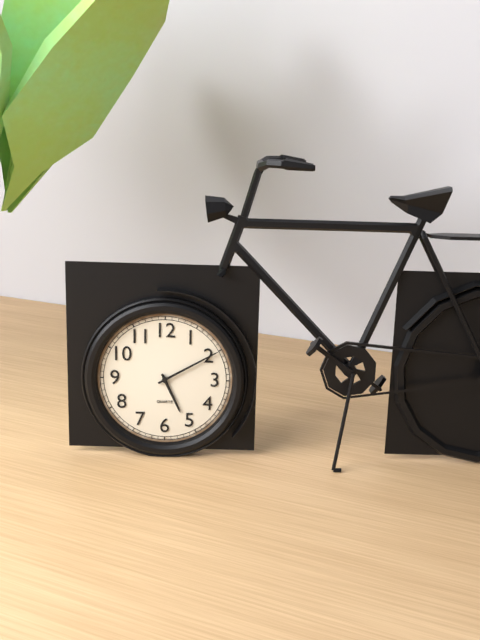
5:10
